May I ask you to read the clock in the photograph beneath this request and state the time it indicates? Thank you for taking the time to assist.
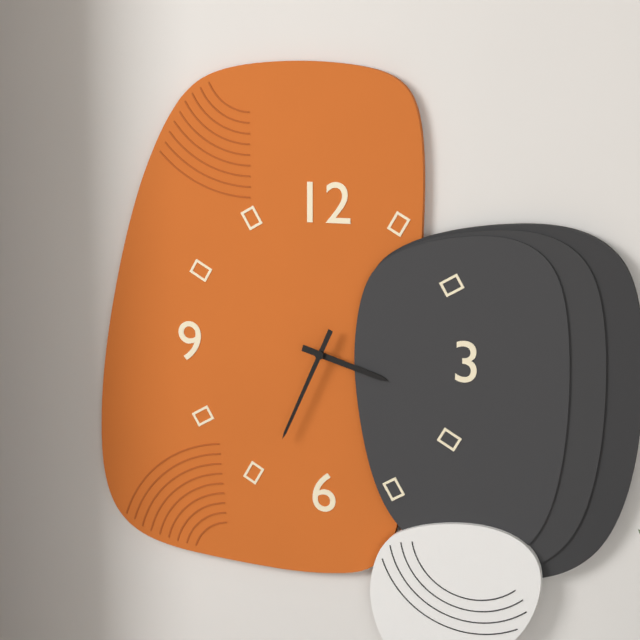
3:34
